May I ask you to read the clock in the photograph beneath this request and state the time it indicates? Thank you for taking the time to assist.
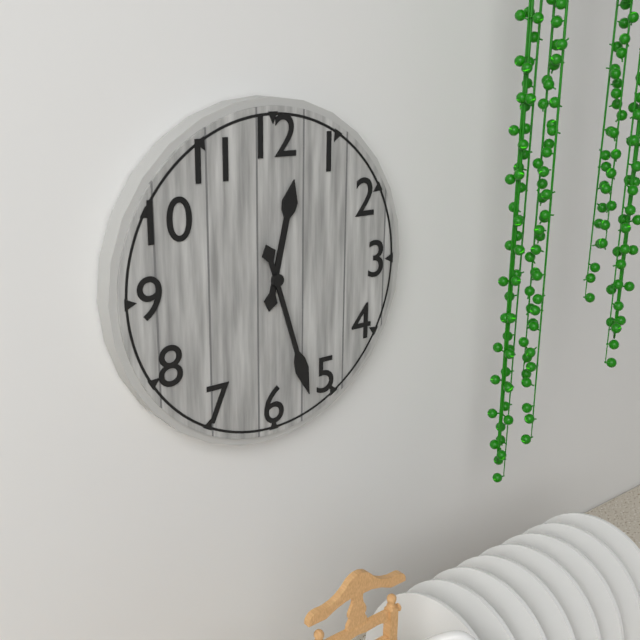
12:27
